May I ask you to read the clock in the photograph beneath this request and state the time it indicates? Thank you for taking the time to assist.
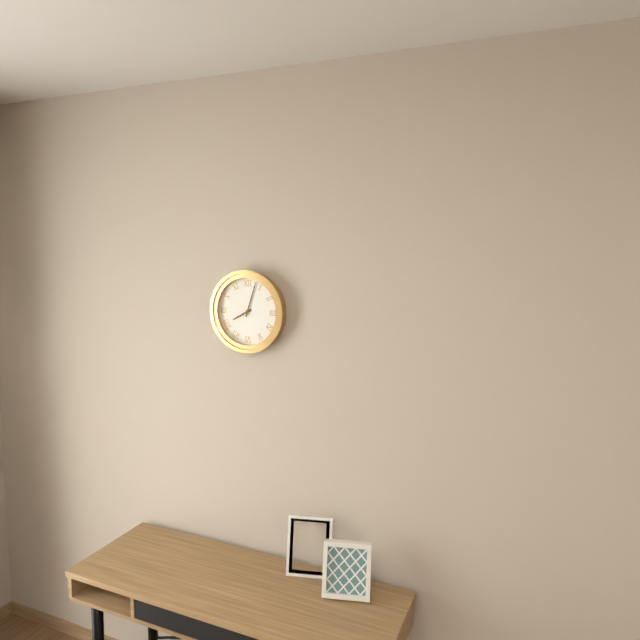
8:03
